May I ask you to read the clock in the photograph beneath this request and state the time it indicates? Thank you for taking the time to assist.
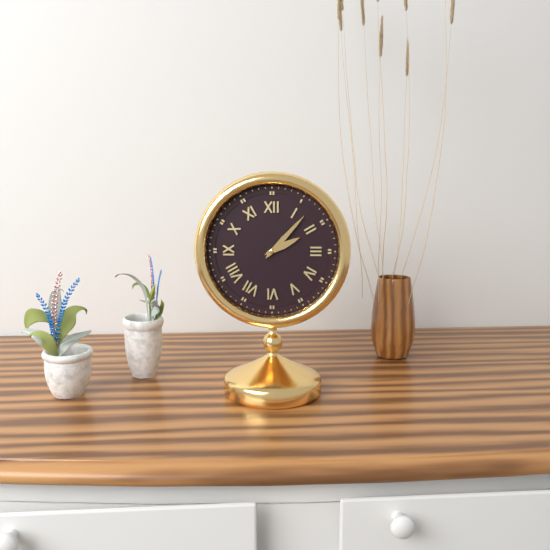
2:07
